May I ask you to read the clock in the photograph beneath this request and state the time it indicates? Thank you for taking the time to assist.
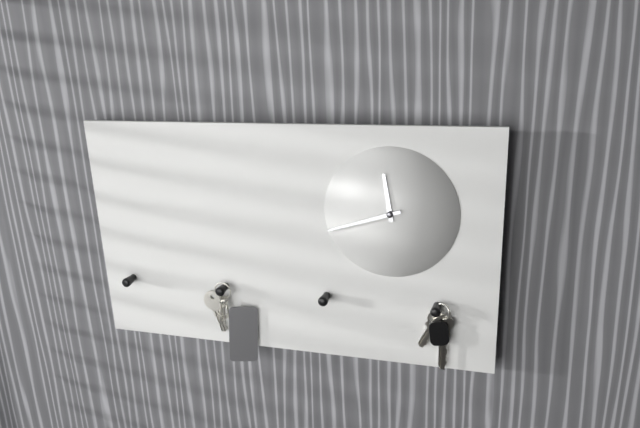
11:42
